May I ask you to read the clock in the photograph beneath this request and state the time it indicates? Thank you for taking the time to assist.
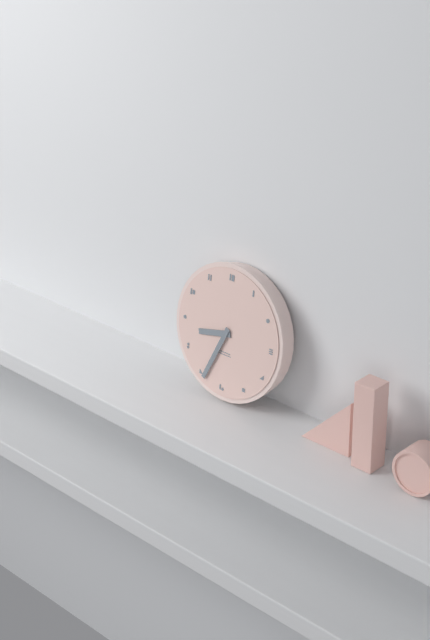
8:34
